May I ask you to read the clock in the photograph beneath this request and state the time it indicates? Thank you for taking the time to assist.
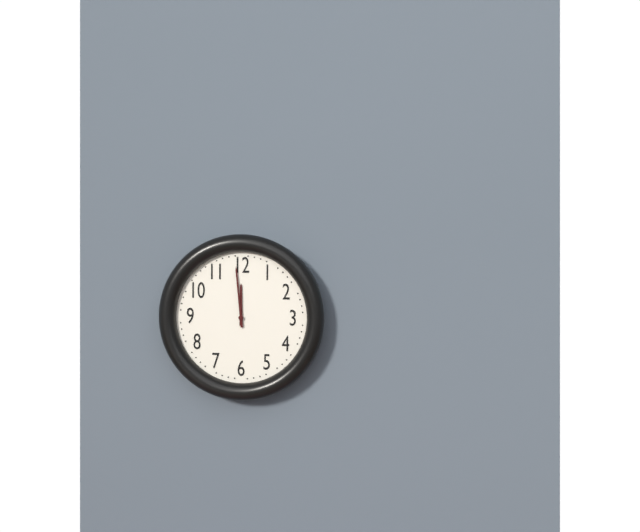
11:59
